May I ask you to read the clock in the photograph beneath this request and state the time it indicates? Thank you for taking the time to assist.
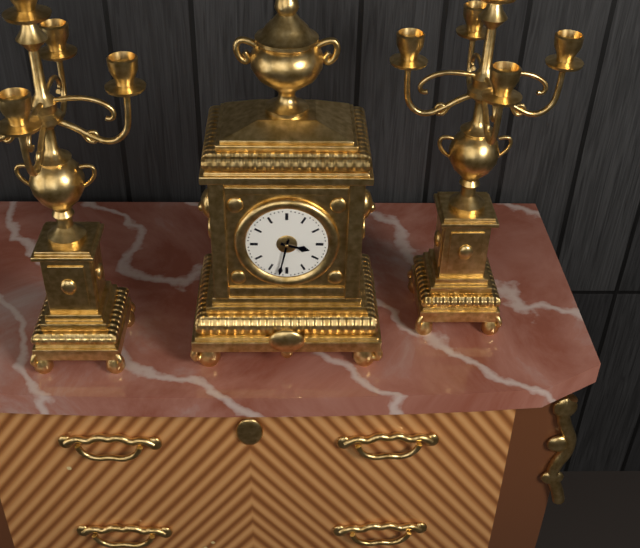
3:32
